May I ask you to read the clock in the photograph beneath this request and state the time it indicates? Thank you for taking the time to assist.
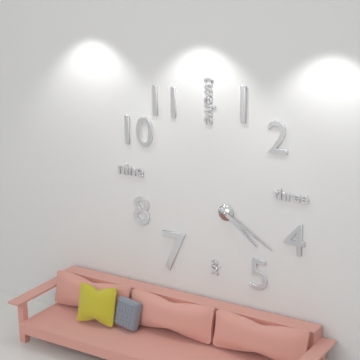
4:20
